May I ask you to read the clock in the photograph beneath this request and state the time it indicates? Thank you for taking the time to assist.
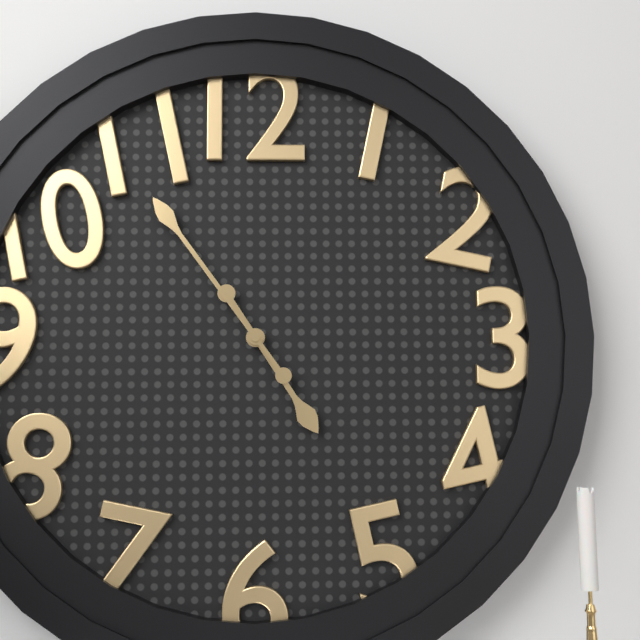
4:54
